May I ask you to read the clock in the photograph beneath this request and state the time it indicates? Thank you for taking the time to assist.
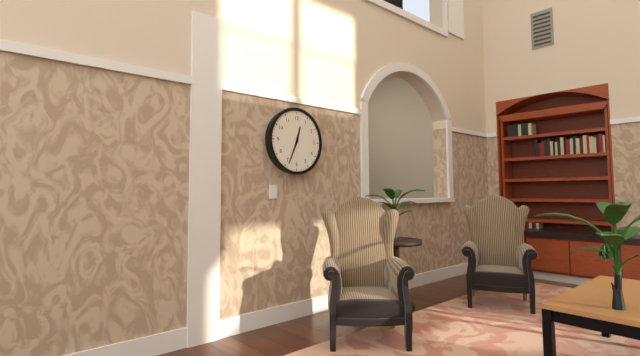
12:34
